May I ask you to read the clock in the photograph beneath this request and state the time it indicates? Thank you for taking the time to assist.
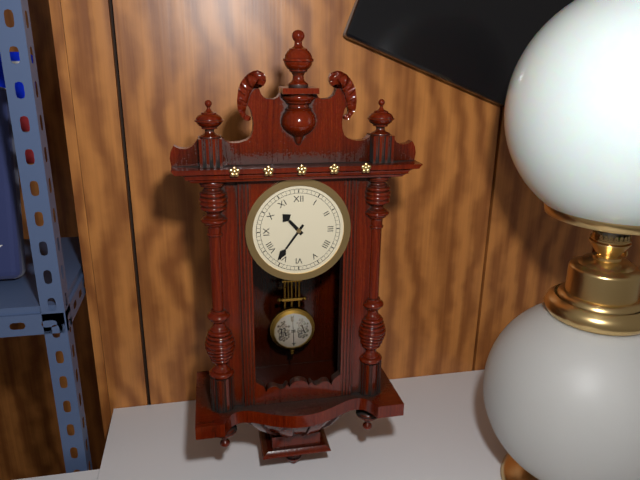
10:36
